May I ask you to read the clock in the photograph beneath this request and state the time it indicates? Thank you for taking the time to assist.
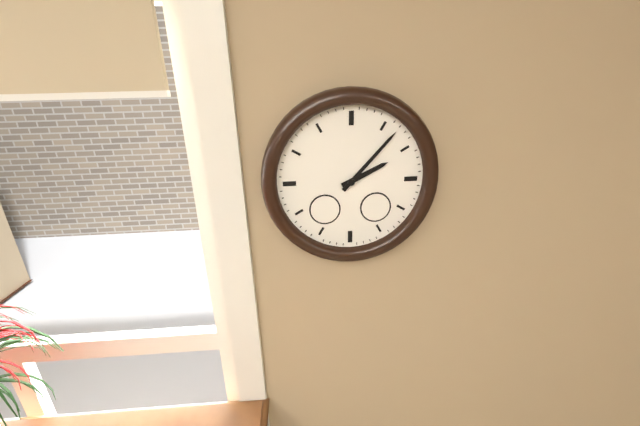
2:07
